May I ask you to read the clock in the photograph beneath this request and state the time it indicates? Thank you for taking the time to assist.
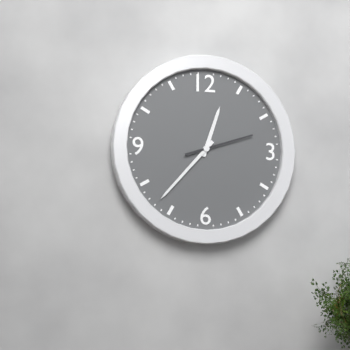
12:37:12
